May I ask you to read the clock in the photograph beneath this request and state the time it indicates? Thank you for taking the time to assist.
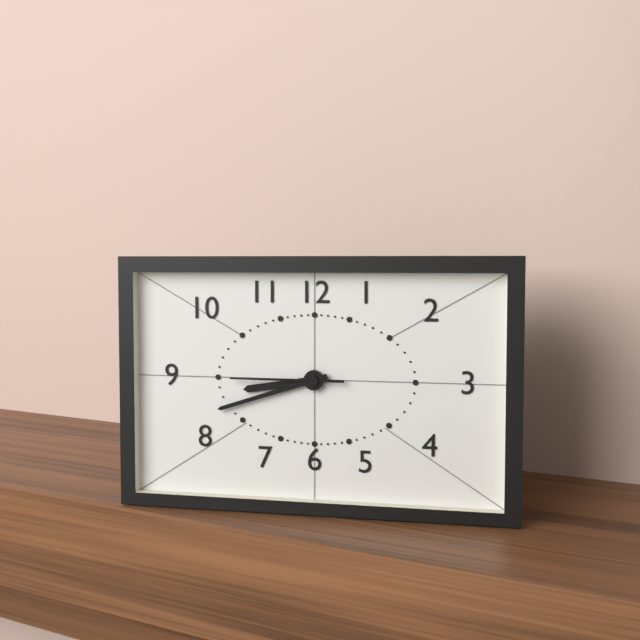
8:42:45
